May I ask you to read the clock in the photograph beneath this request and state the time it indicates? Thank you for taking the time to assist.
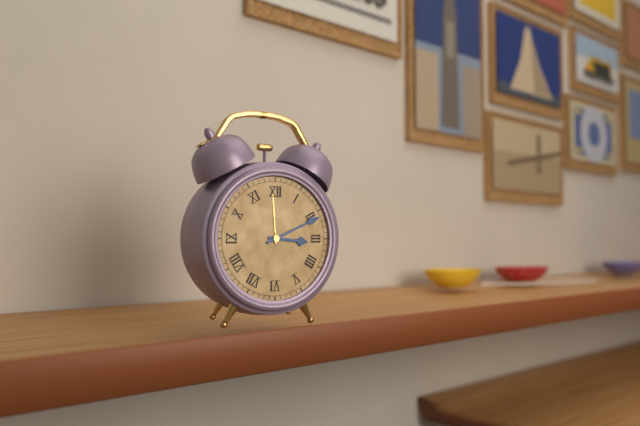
3:11
